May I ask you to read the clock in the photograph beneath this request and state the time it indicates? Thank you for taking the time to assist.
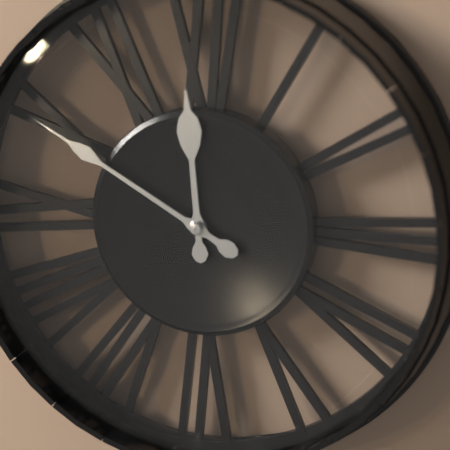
11:50
